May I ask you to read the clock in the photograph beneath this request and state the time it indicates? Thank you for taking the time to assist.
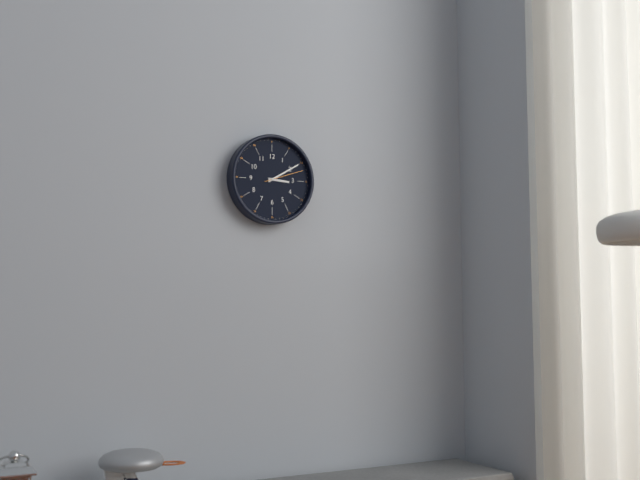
3:10
